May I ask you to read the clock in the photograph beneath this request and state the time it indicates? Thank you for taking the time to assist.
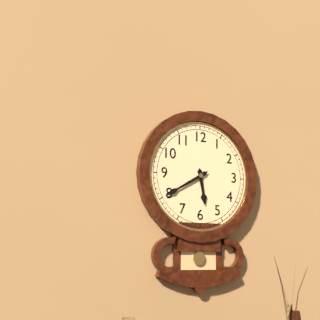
5:40
